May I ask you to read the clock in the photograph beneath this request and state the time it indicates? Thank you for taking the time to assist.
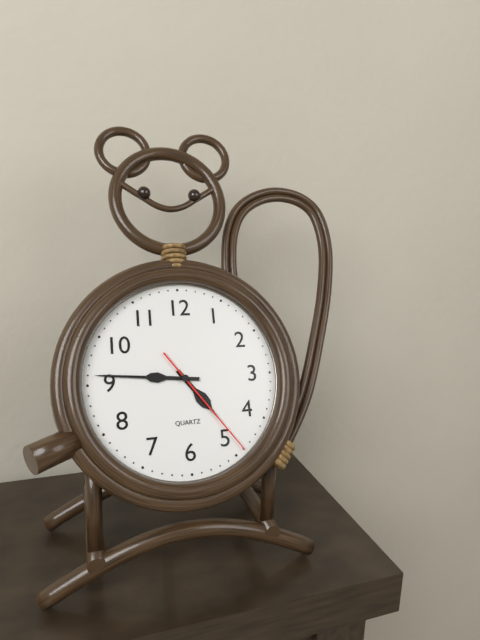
4:46:24
